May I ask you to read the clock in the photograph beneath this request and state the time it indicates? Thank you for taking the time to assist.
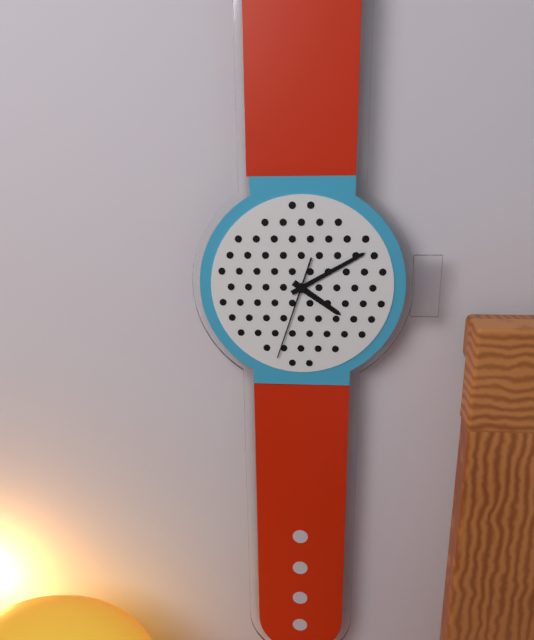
4:10:33
